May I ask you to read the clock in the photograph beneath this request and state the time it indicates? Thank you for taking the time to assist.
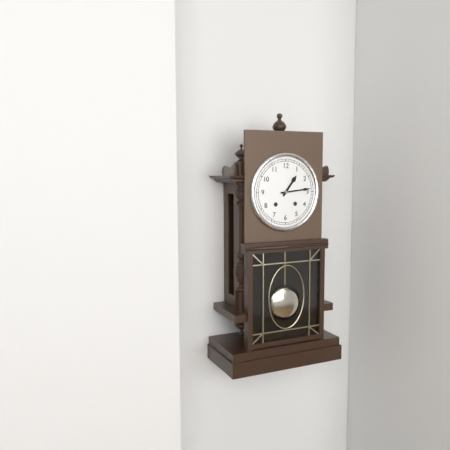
1:14
